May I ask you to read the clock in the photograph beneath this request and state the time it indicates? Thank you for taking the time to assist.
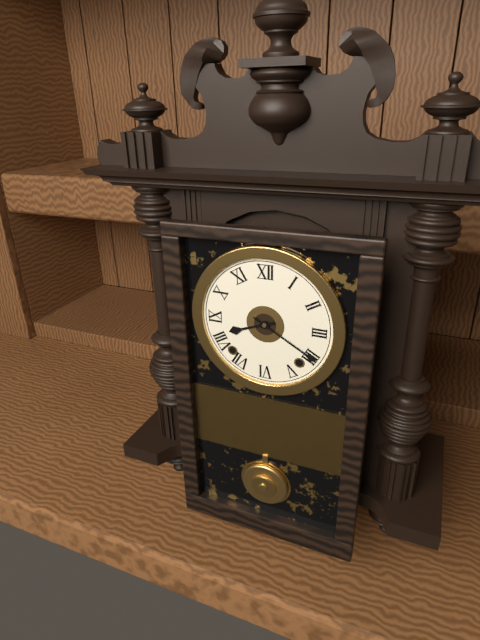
8:20
